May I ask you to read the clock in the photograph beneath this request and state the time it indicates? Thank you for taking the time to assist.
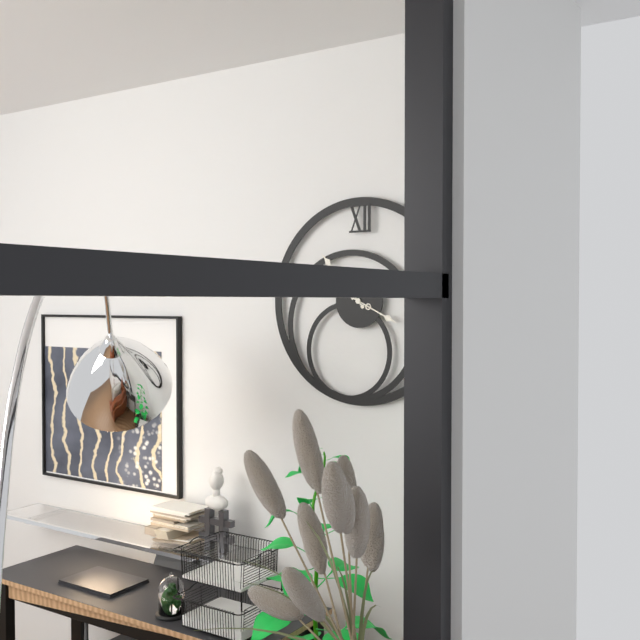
3:53
